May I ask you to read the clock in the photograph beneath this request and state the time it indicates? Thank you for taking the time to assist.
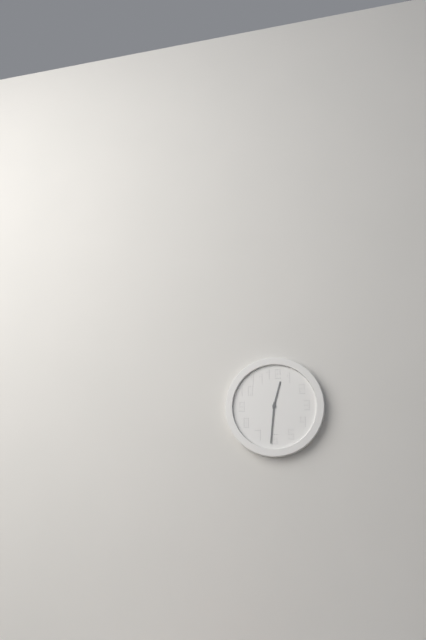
12:31
